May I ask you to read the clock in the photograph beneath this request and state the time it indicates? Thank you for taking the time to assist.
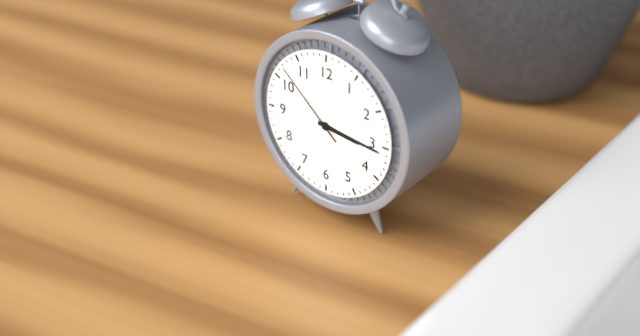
3:16:52
